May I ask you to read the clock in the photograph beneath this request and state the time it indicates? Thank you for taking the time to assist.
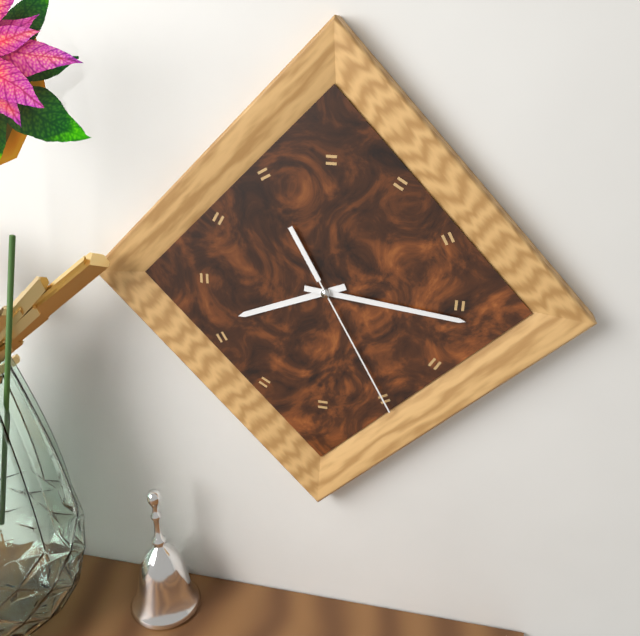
8:16:25
